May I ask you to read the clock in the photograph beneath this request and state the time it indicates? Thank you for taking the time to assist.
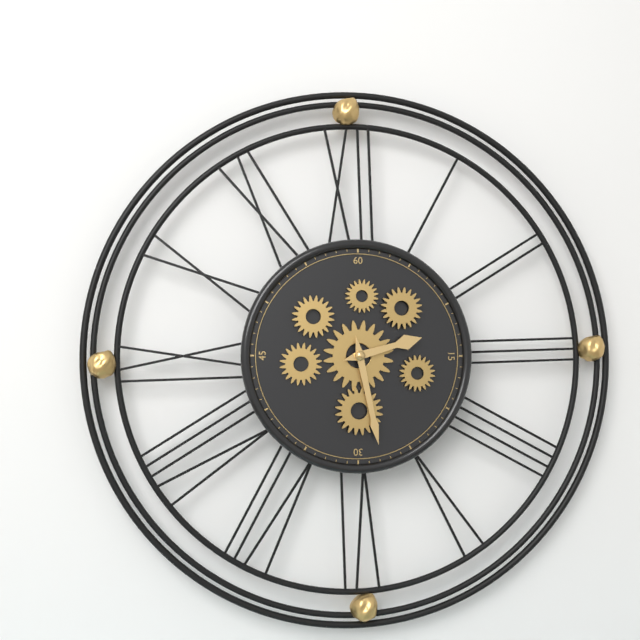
2:28
